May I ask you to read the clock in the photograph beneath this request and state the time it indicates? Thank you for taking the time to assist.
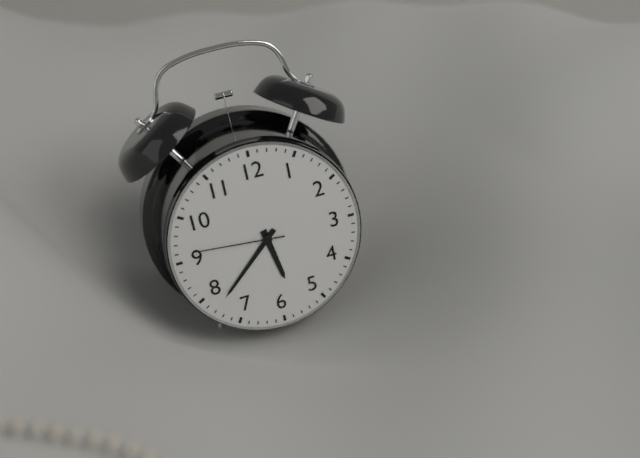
5:38:46
